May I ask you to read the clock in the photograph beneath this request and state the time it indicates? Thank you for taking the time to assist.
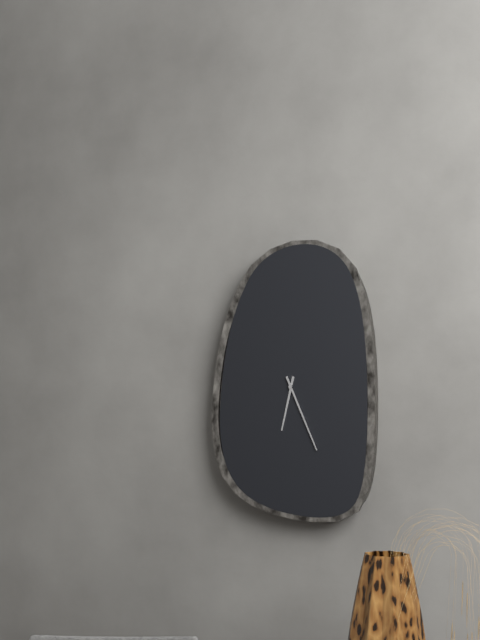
6:26
